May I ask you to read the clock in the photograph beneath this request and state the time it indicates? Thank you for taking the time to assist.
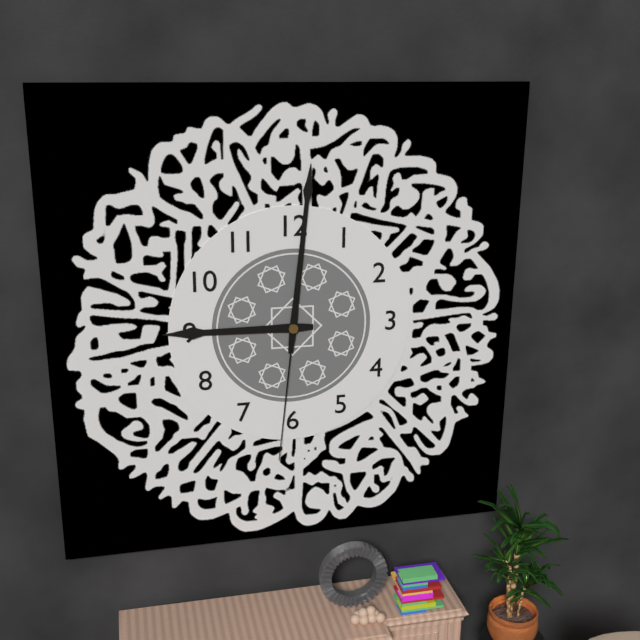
9:01:31
